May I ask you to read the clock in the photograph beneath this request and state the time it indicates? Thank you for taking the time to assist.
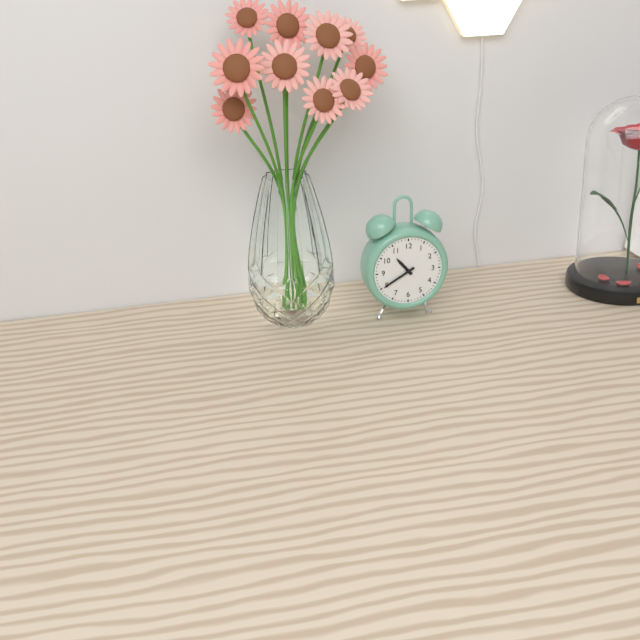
10:40
